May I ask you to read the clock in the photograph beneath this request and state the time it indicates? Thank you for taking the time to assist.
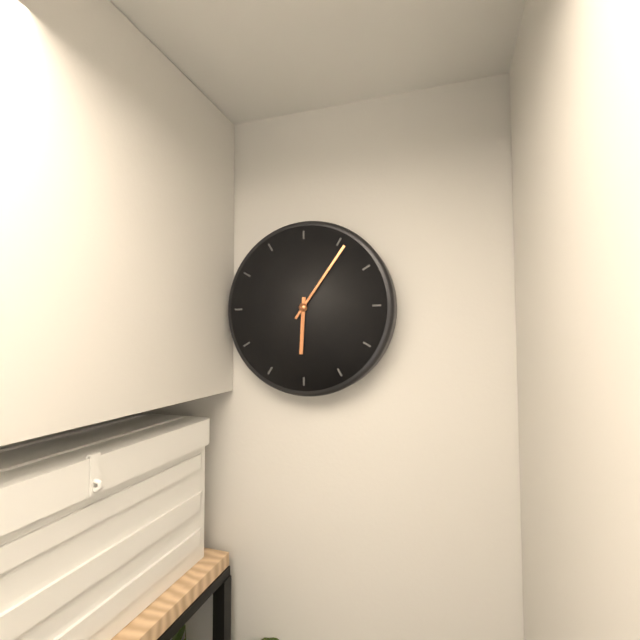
6:06
